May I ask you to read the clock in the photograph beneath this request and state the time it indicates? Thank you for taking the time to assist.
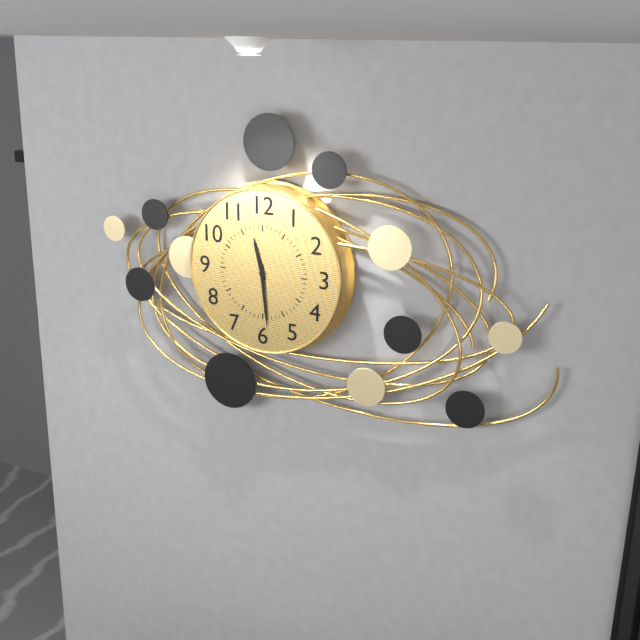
11:29
